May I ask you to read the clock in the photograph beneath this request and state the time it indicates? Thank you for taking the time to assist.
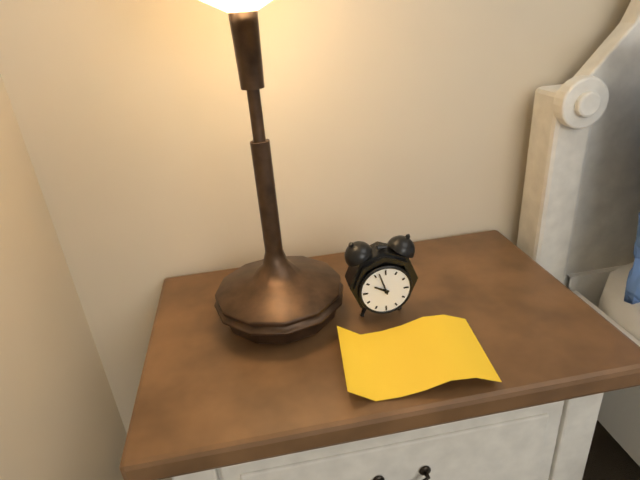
9:57
